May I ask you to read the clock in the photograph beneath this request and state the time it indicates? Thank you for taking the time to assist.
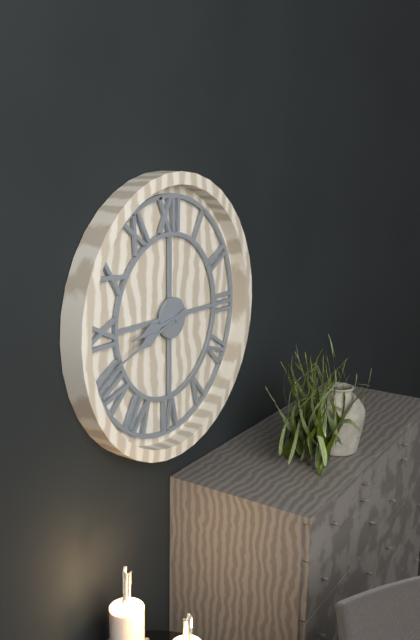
8:42
